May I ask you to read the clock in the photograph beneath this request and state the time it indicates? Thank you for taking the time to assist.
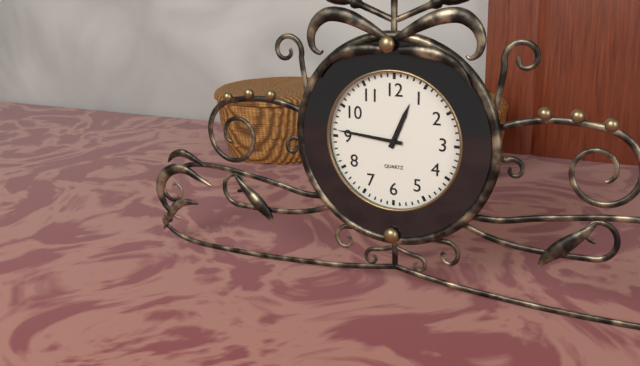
12:46
